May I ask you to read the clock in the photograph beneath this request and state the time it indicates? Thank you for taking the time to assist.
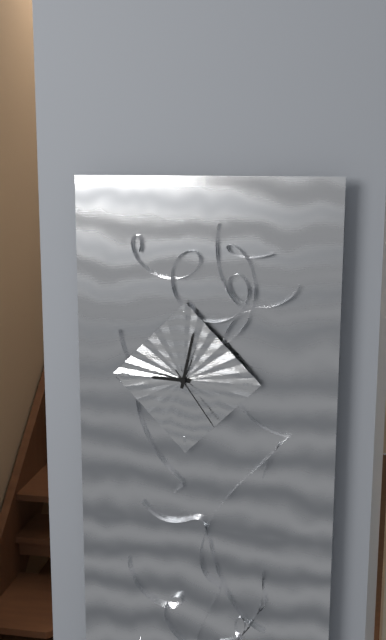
9:02:24
